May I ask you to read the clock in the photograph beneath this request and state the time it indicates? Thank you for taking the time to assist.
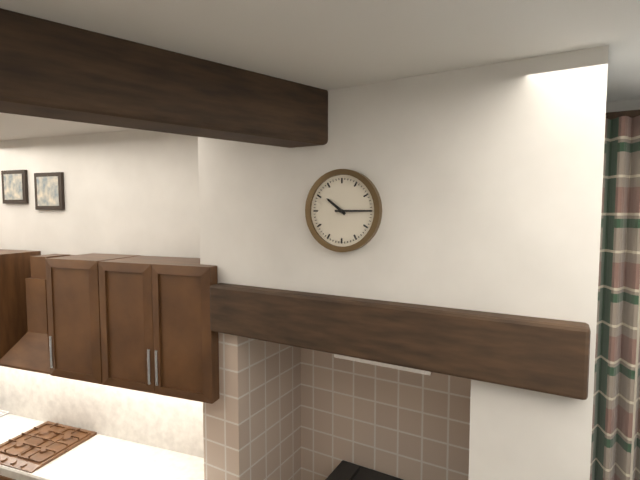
10:15
